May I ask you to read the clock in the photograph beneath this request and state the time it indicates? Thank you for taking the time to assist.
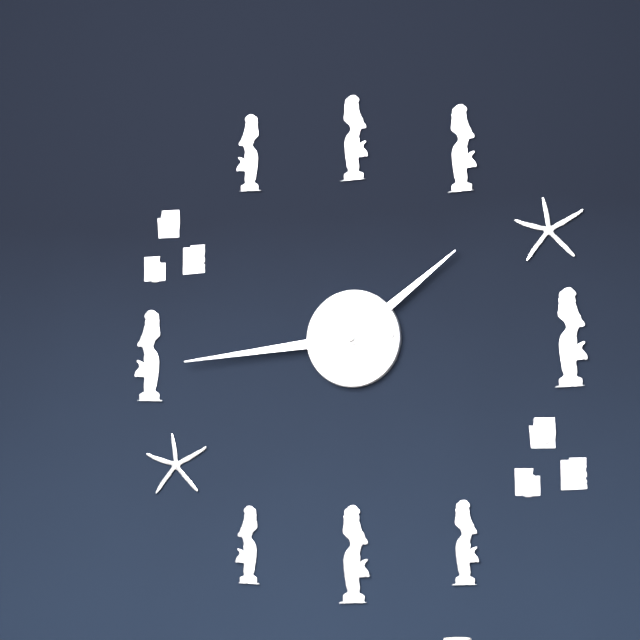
1:44
